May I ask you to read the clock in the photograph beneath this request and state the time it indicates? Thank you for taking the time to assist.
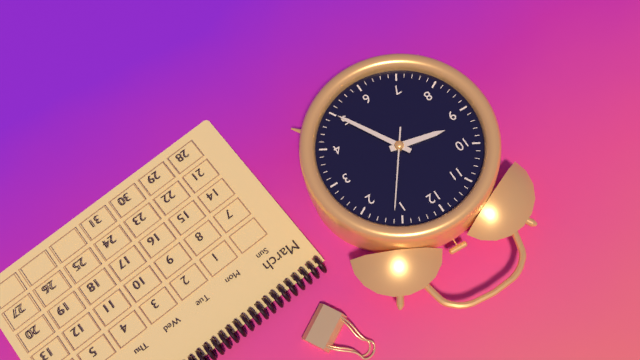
9:25:06
